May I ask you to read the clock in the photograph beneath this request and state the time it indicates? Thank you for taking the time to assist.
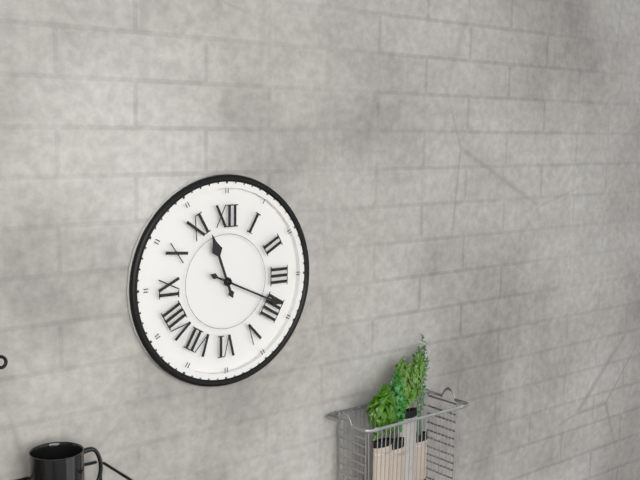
11:19
